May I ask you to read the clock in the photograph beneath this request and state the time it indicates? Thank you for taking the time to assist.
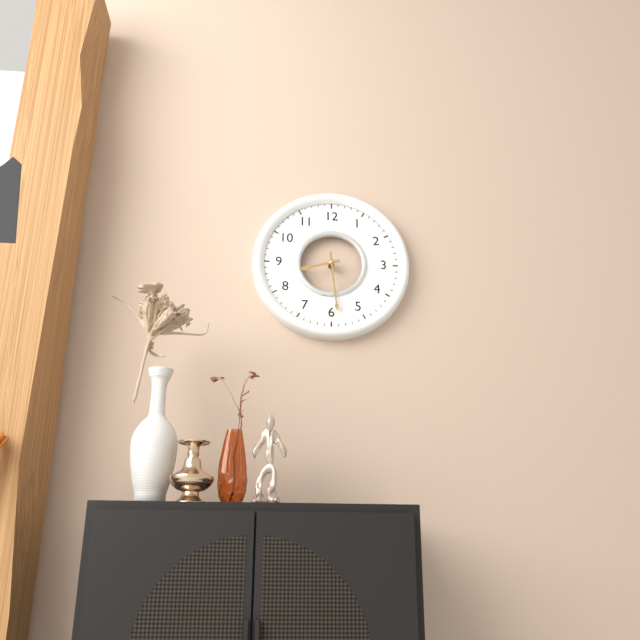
8:29
